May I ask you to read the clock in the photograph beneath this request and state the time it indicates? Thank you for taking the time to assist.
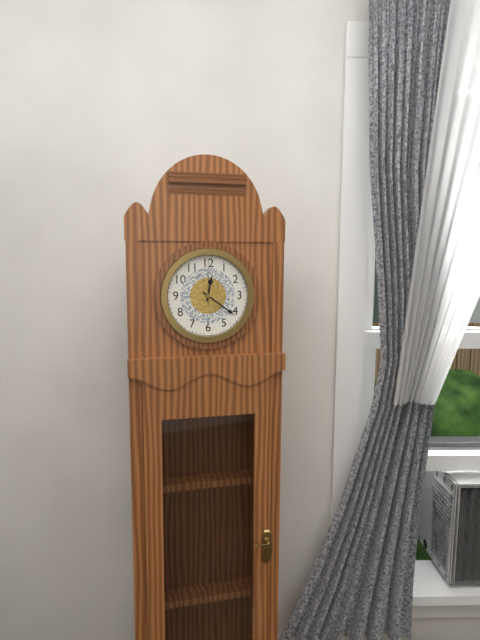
12:21
